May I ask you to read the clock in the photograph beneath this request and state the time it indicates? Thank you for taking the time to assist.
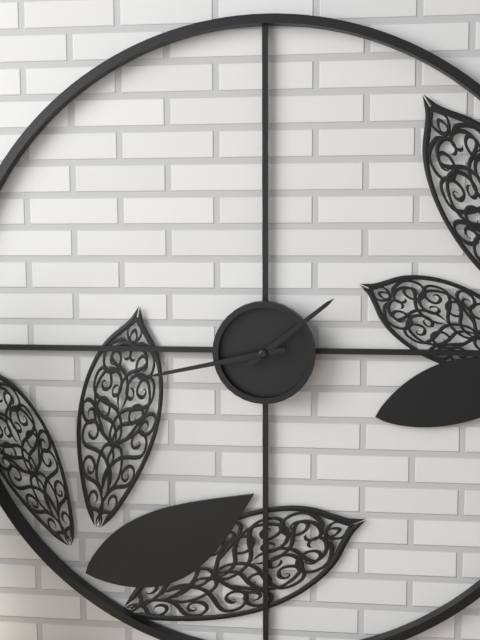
1:43
